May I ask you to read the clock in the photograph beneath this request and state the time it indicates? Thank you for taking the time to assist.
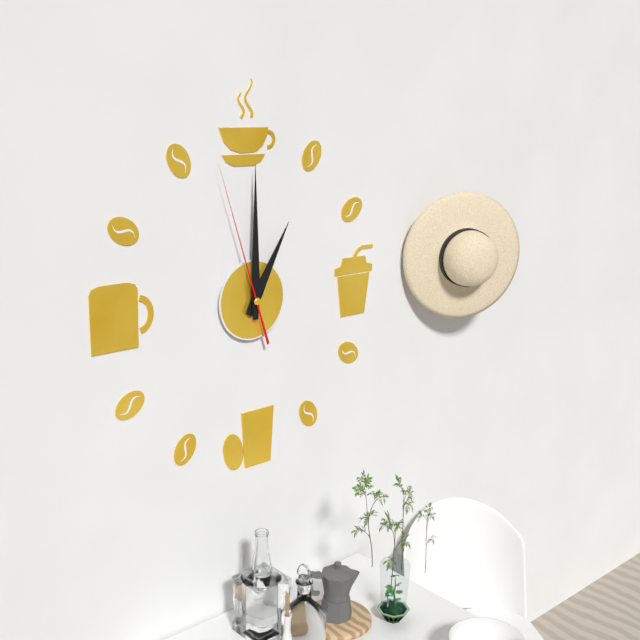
1:00:57
